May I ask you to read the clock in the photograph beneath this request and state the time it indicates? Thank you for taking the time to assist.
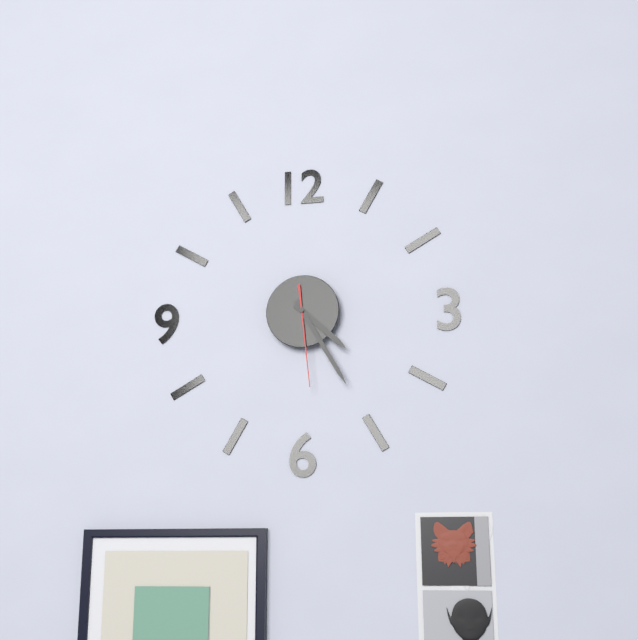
4:25:29
